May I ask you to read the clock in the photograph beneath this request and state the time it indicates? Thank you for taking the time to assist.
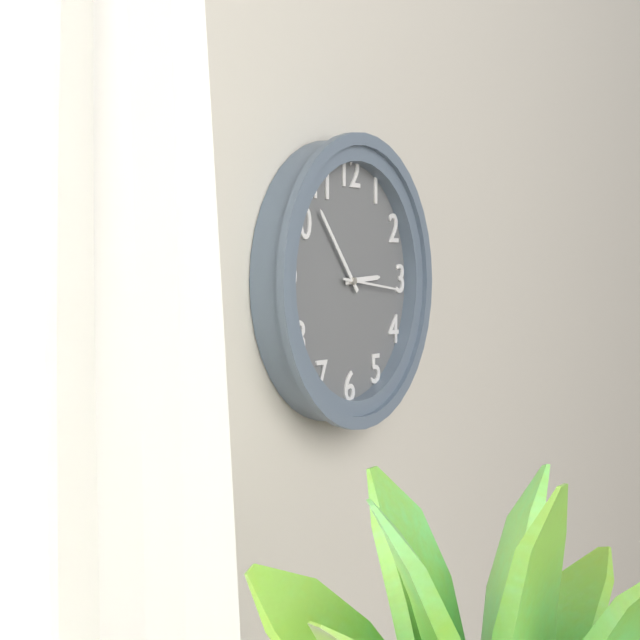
2:53:16
